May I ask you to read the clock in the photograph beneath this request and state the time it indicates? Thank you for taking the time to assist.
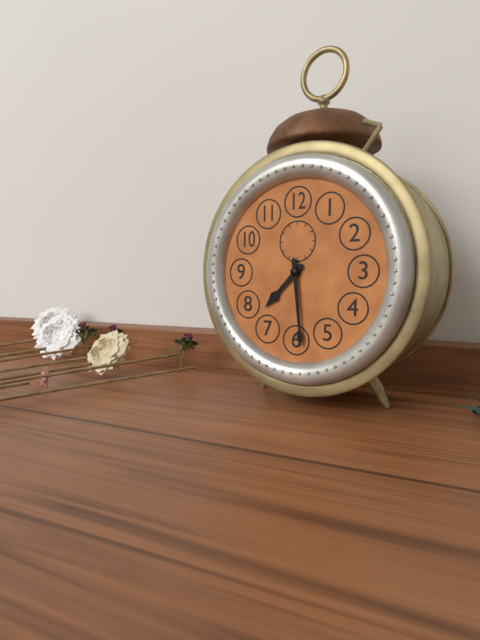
7:29
